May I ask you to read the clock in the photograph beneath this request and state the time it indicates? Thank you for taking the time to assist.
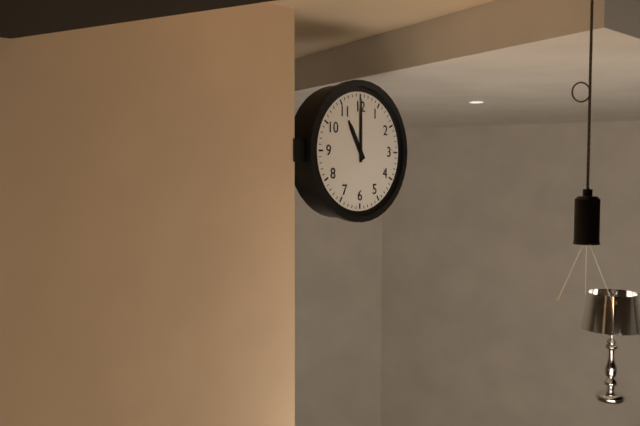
11:00
